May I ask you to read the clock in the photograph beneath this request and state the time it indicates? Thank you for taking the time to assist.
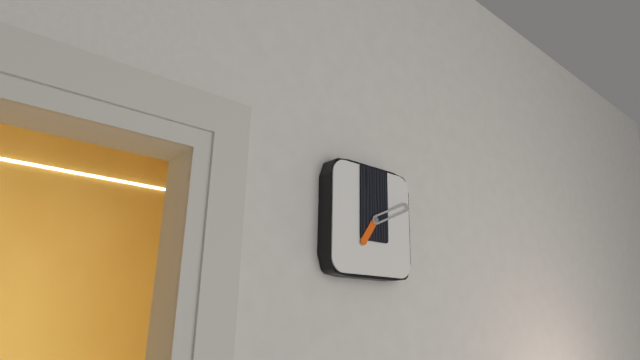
7:11
